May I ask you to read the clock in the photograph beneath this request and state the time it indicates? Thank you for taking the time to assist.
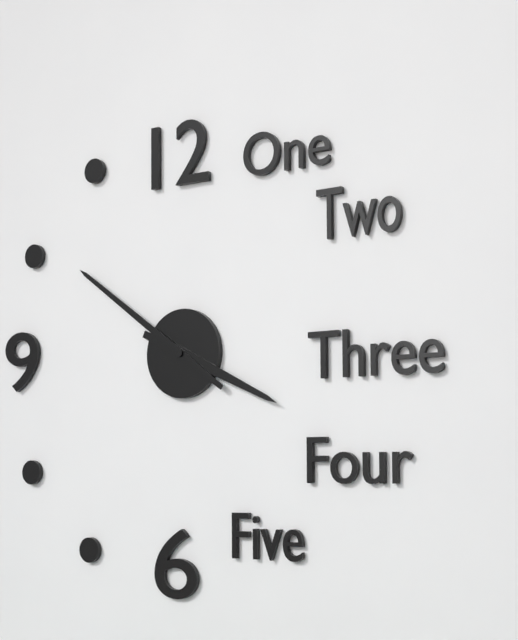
3:51
